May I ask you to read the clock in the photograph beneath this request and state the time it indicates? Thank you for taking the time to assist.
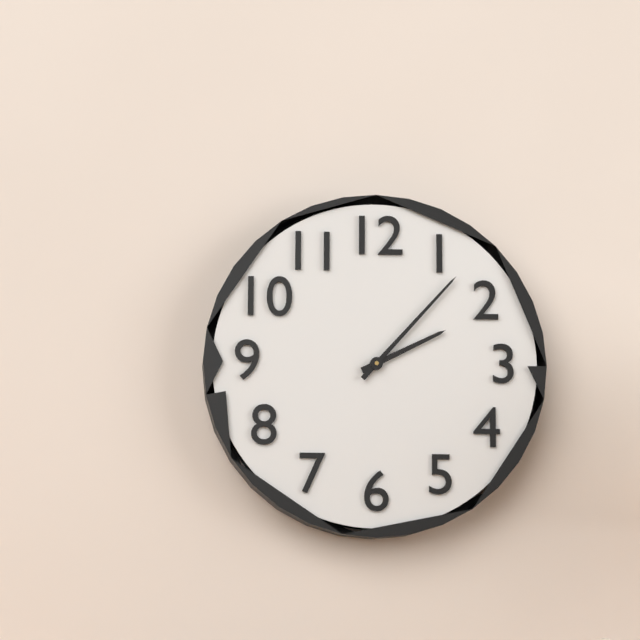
2:07
